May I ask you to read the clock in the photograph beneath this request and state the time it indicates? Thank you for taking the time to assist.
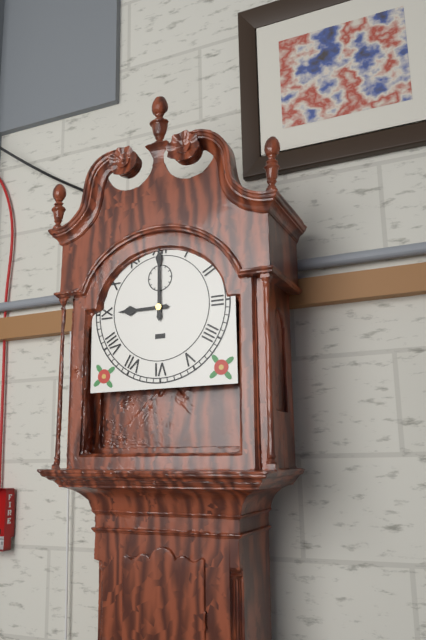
9:00
